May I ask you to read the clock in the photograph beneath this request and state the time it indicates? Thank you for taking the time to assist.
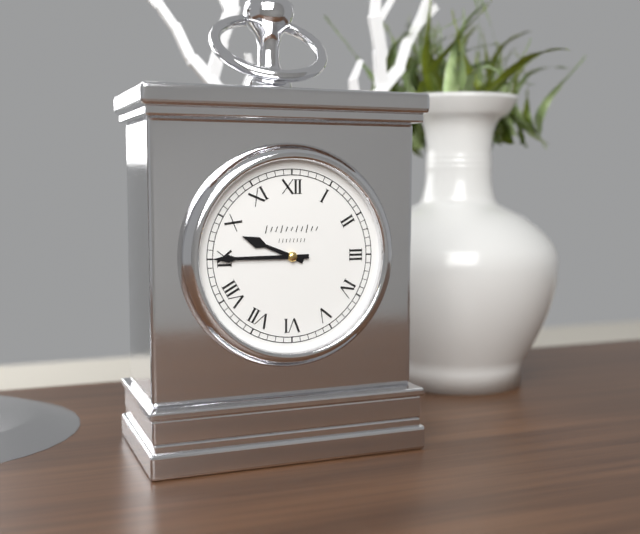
9:45
